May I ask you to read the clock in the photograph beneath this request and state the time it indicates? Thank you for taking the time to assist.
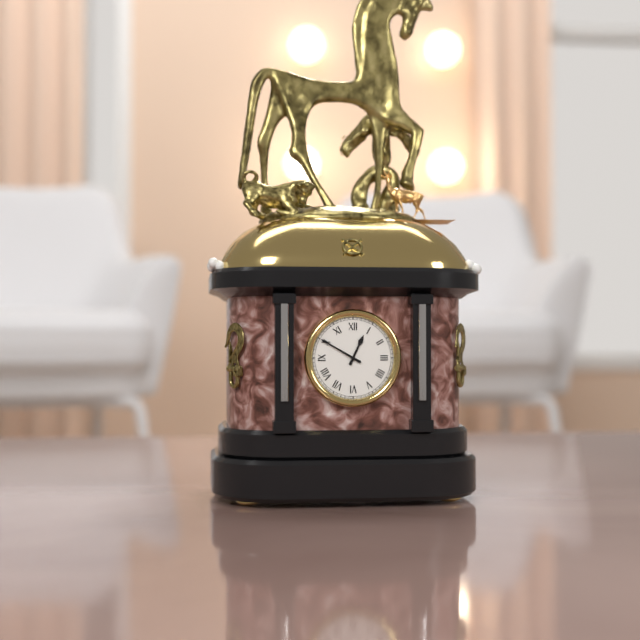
12:50
